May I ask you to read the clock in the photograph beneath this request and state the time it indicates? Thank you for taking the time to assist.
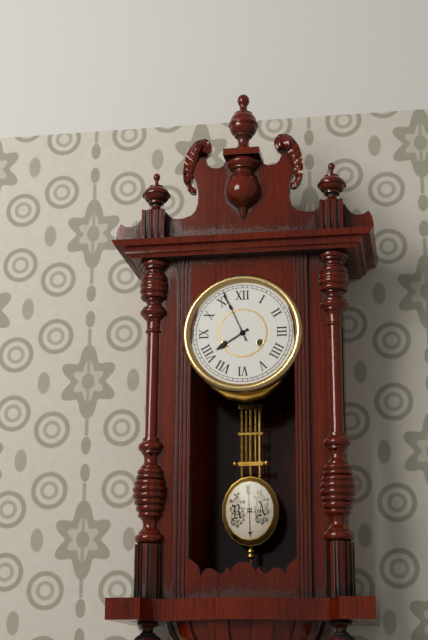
7:56
